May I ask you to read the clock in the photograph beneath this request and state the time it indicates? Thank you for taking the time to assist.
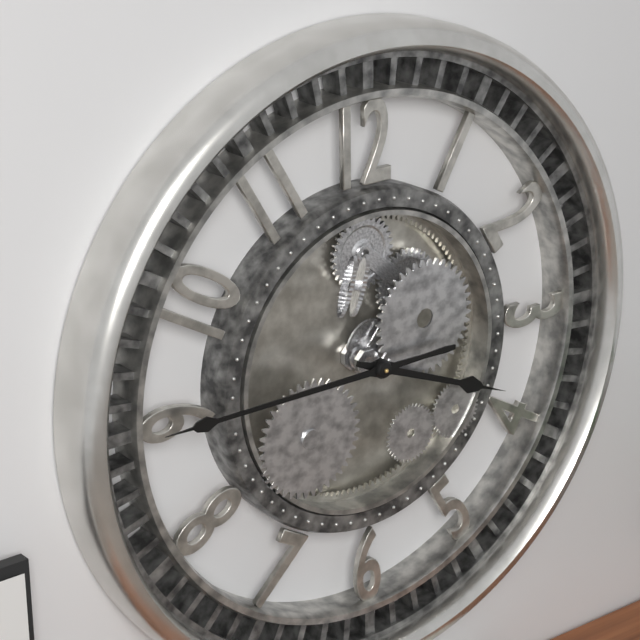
3:45
